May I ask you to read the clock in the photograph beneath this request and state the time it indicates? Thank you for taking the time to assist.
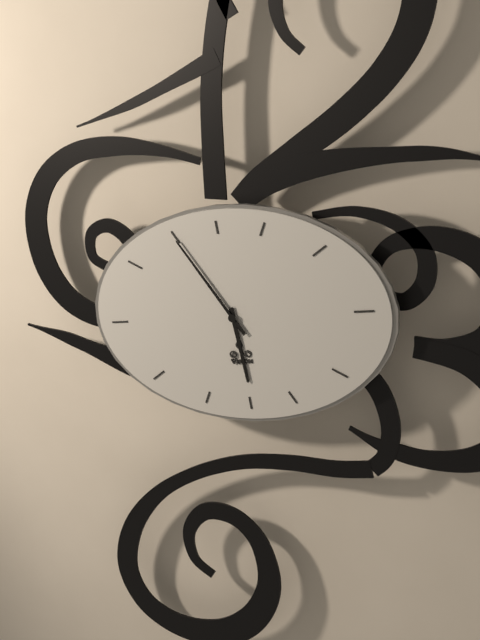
5:55
